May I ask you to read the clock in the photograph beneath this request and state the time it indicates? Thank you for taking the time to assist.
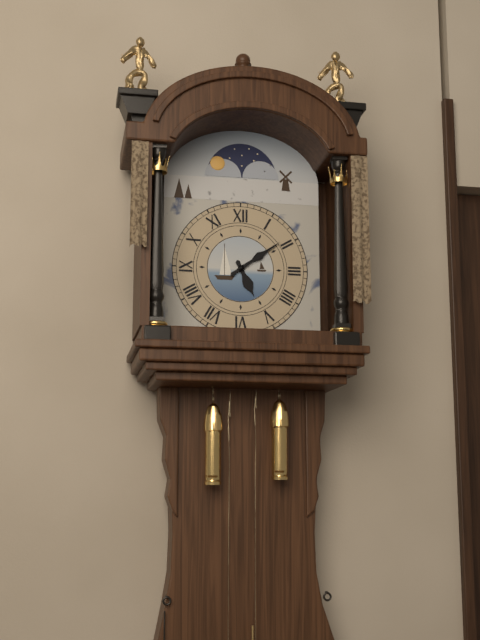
5:09
